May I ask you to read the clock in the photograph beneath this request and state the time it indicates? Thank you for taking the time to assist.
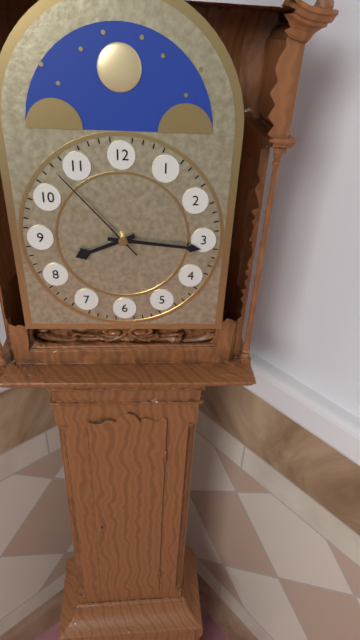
8:16:53
